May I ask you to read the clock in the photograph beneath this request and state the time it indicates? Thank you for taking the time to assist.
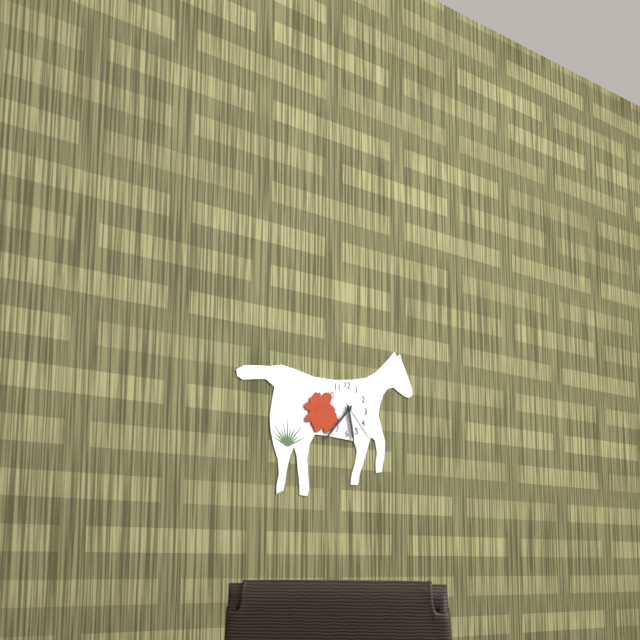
5:37
